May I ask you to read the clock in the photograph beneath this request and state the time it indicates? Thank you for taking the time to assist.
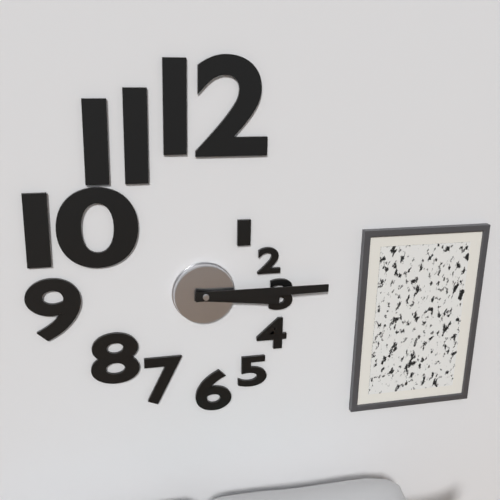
3:15
